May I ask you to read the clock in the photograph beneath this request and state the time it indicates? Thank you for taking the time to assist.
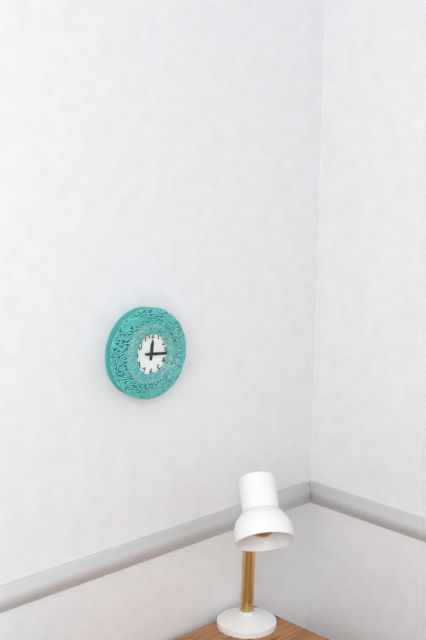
12:16
